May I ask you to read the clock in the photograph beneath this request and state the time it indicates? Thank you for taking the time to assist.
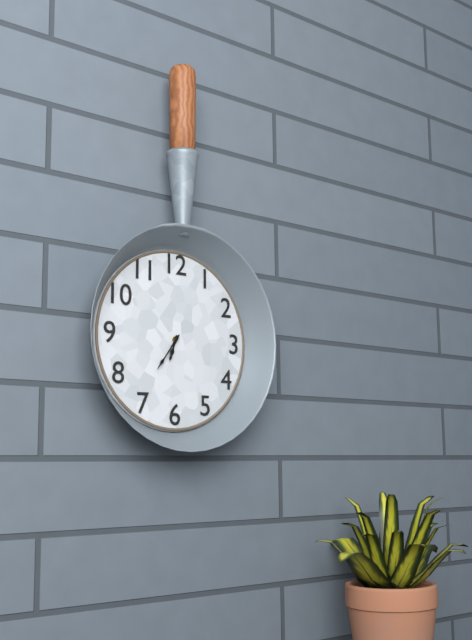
6:36
